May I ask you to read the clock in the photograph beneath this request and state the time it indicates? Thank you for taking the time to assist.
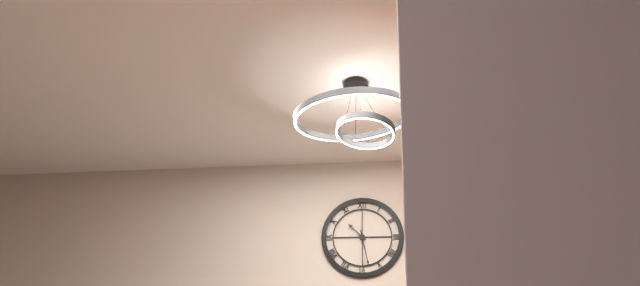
10:28
